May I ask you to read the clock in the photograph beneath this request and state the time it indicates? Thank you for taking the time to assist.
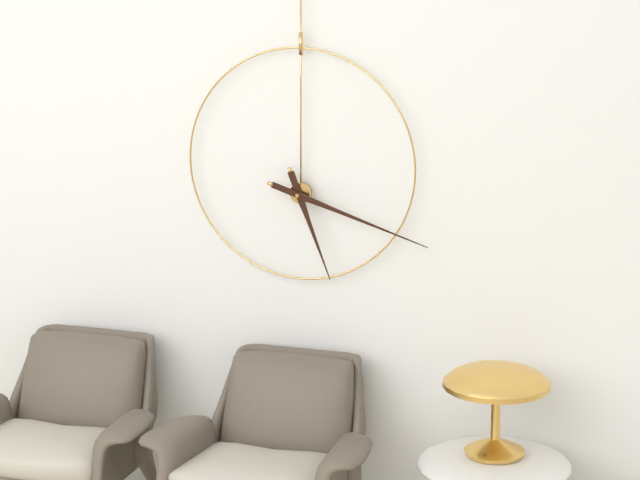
5:18
